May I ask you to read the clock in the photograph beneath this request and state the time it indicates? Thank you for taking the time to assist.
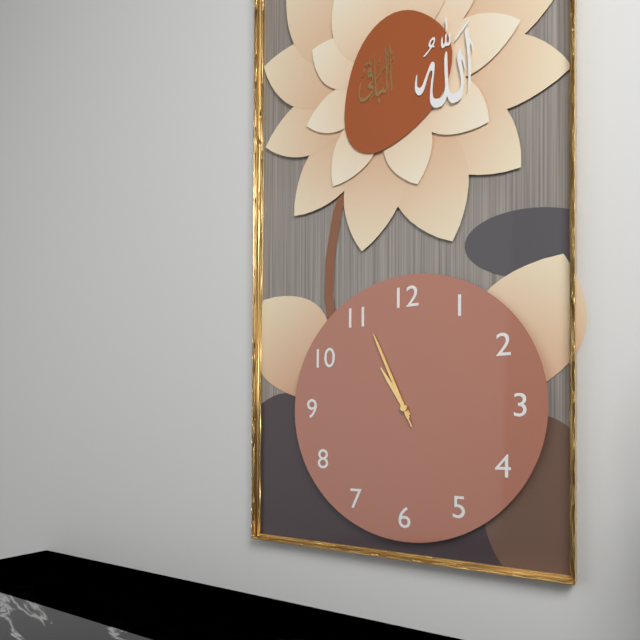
10:56:56
